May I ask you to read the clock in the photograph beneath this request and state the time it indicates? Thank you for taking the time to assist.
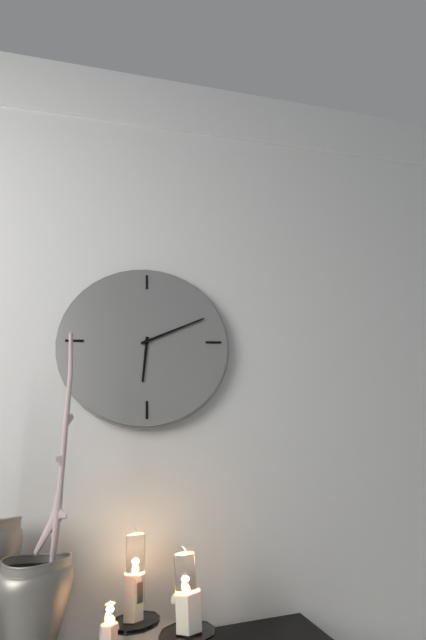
6:11
